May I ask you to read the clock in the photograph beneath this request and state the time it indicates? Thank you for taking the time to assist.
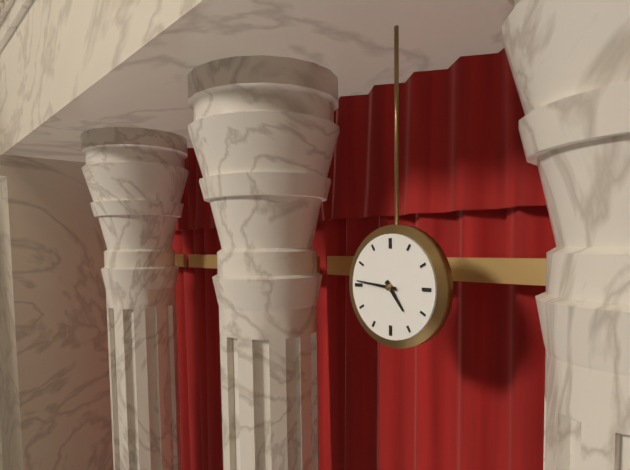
4:46
